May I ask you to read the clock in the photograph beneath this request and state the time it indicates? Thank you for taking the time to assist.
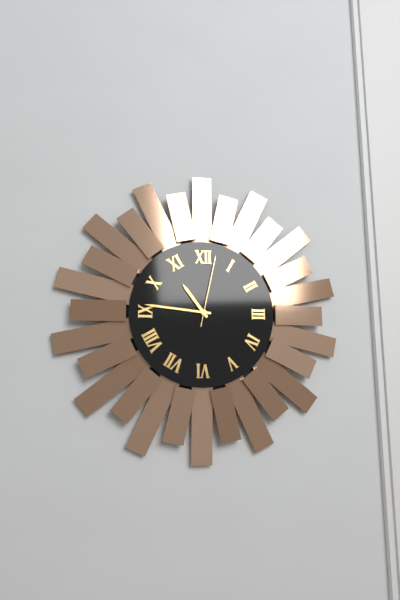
10:46:02
